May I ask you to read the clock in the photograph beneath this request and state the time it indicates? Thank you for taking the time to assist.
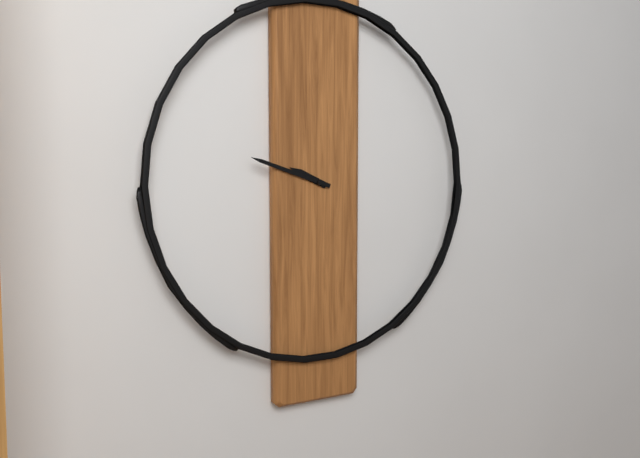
9:48
